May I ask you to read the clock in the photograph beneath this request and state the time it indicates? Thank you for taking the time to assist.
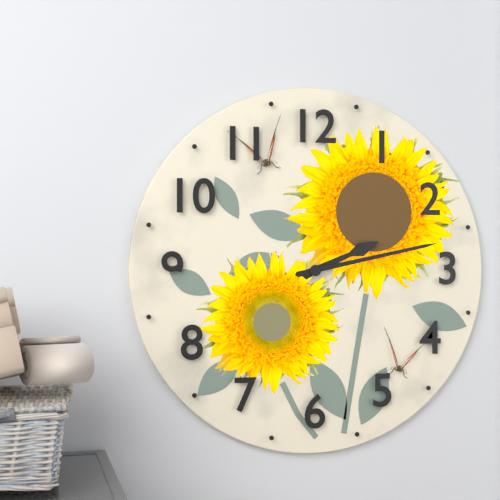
2:13
